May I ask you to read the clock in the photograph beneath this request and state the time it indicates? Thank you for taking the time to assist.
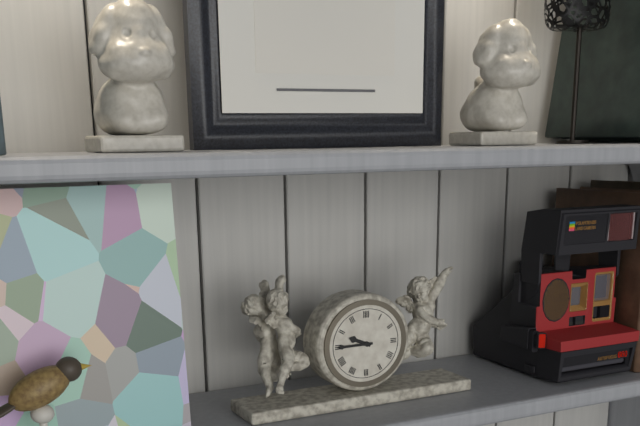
9:45
